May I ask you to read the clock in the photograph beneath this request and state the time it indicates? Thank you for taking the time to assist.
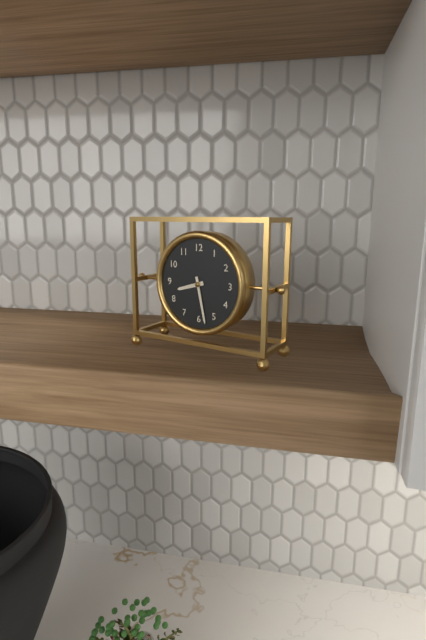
8:28
